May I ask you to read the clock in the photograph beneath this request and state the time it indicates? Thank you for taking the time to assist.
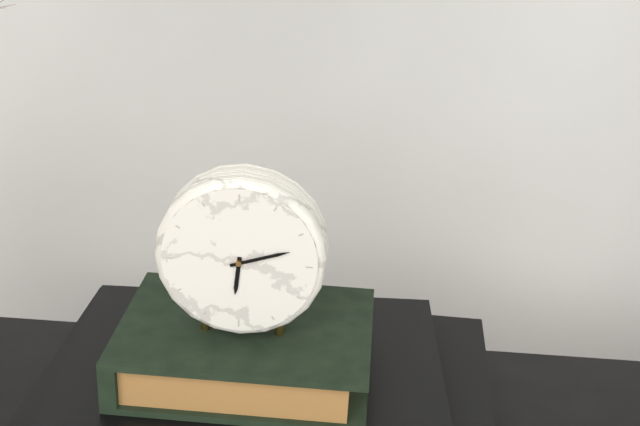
6:12
